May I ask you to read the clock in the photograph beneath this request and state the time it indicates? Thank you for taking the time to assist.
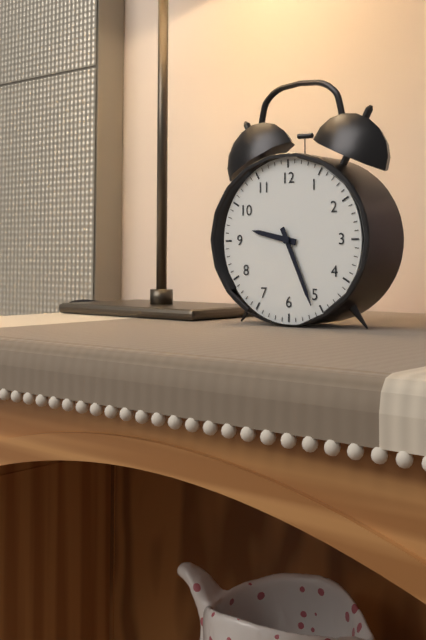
9:26
